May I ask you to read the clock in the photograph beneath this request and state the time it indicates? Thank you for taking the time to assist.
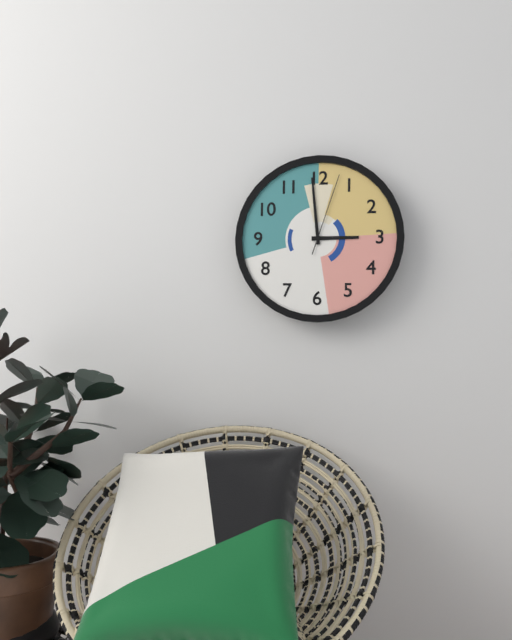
2:59:03
